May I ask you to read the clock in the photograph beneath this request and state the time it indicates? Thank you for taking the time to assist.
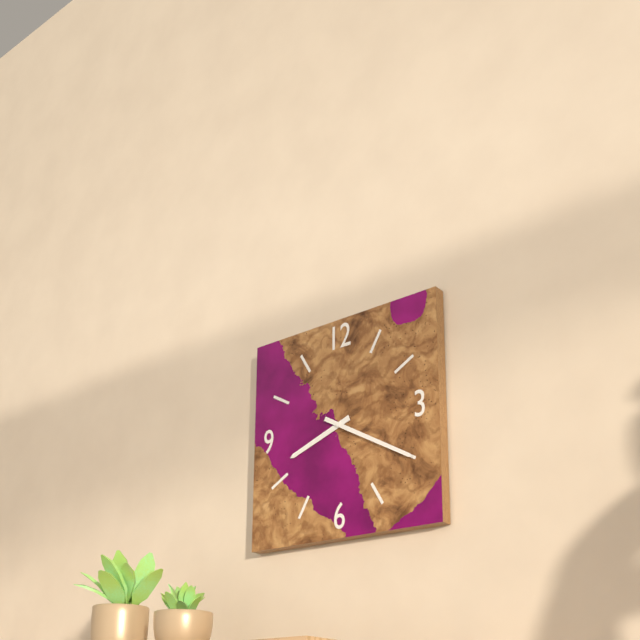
8:20
